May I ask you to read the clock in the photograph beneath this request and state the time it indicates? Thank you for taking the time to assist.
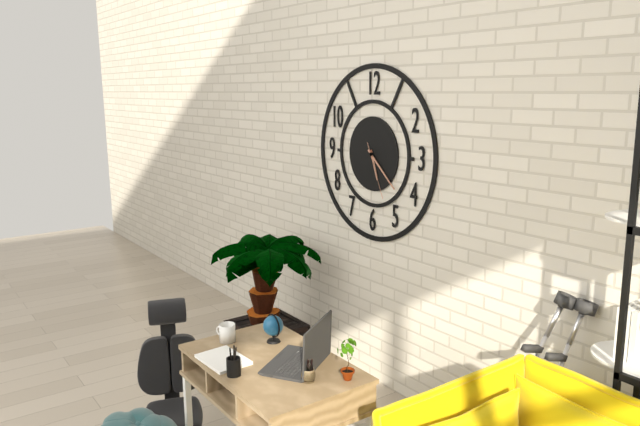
5:22:26
